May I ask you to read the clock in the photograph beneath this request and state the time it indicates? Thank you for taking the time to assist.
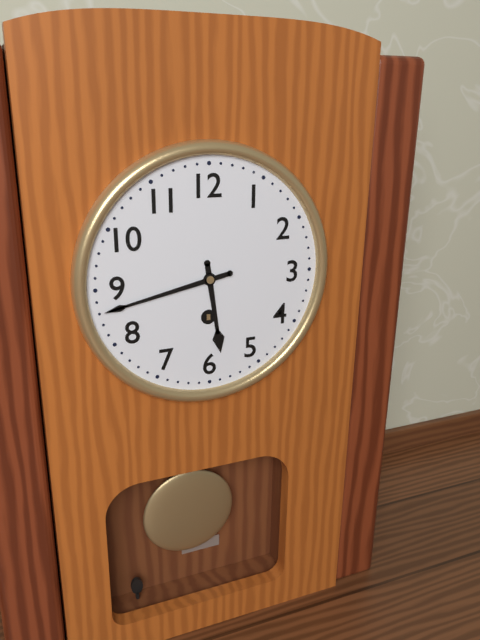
5:43
